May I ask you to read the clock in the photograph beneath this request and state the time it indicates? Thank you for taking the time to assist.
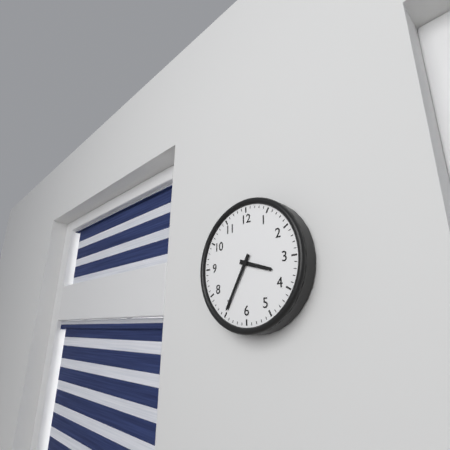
3:35
